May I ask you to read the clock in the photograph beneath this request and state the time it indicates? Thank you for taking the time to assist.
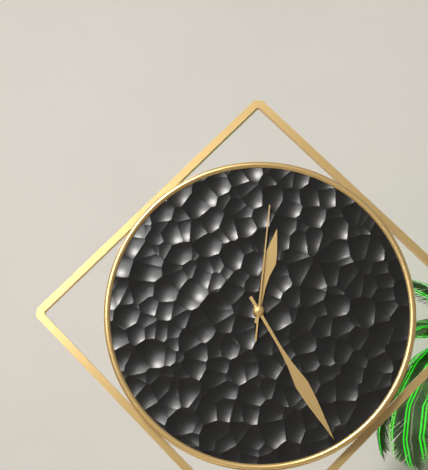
12:25:01
